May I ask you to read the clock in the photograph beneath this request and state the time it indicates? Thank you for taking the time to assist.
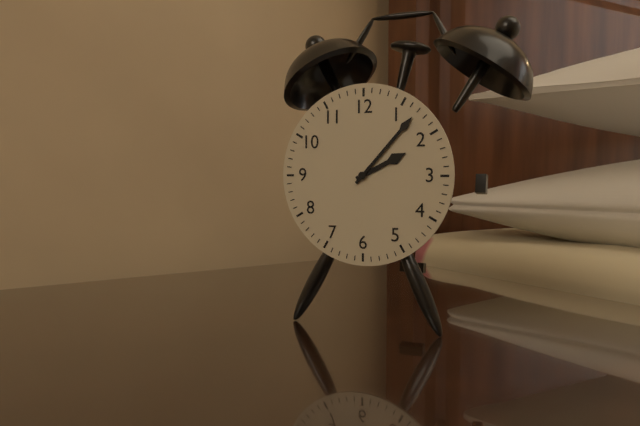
2:07
